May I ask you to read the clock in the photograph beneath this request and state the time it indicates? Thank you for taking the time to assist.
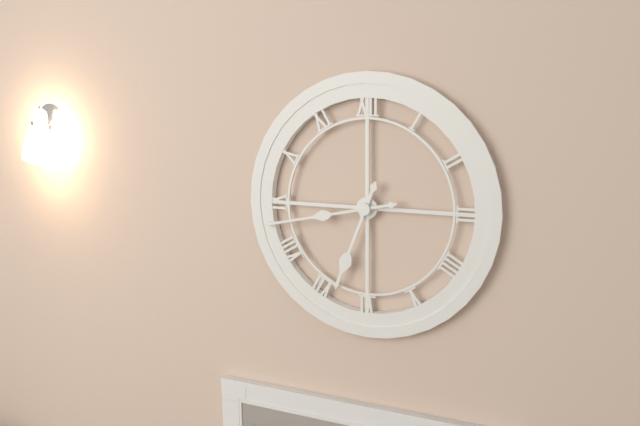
6:43
